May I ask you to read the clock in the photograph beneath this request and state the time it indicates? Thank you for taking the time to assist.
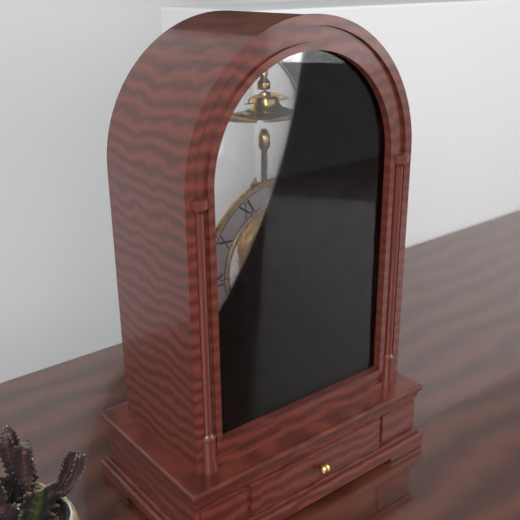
12:59
